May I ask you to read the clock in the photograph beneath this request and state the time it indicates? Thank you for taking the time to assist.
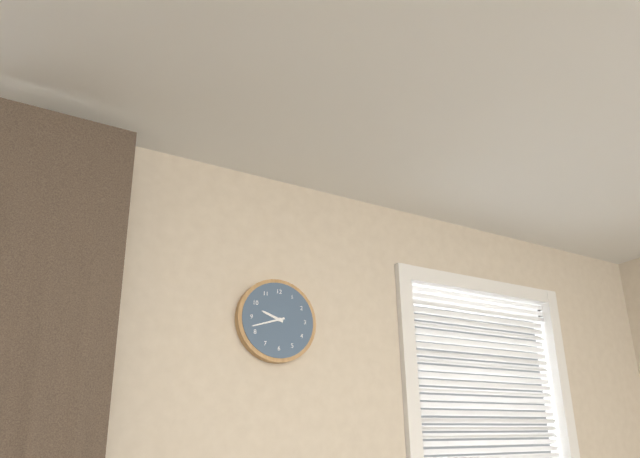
9:42
